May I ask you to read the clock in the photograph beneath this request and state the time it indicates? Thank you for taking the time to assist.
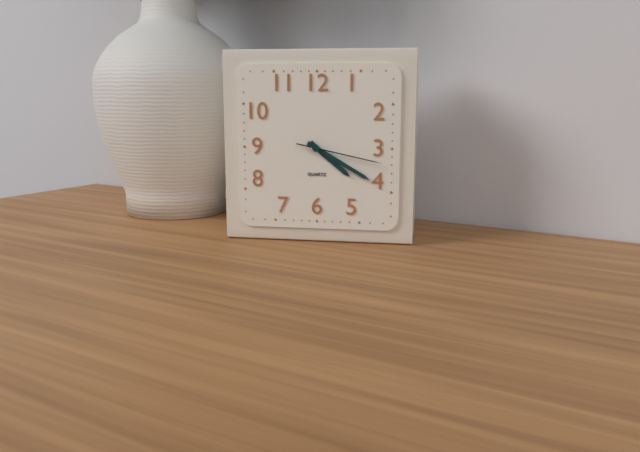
4:20:17
